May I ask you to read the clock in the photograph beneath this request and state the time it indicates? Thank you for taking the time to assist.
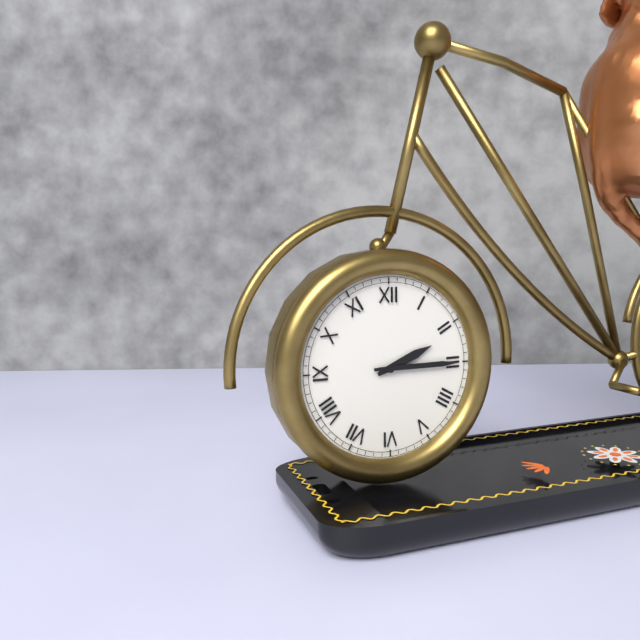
2:15
